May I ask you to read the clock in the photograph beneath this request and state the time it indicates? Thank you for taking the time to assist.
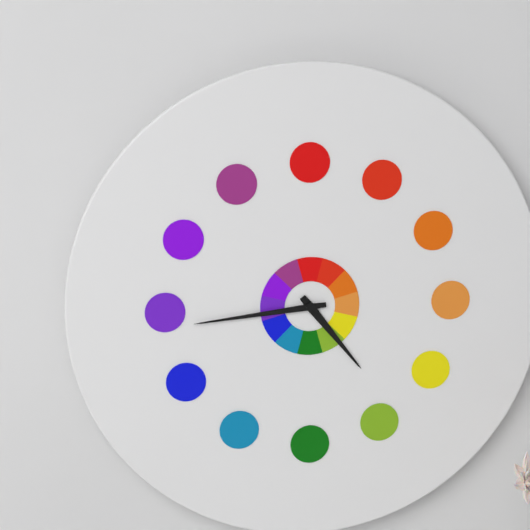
4:44
